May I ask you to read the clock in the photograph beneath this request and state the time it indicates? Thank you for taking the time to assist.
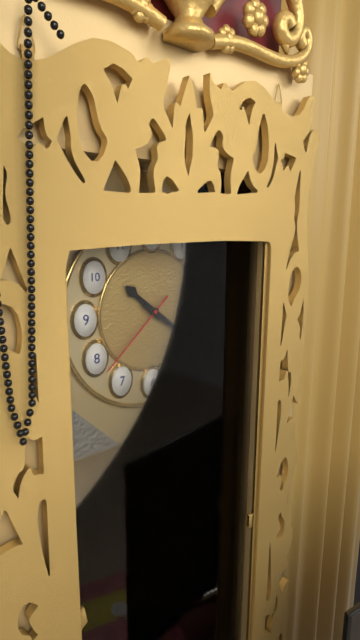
10:21:38
